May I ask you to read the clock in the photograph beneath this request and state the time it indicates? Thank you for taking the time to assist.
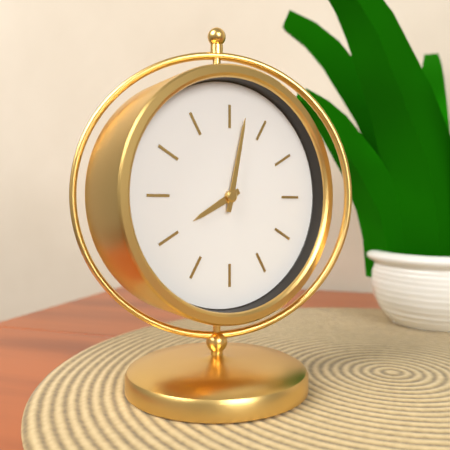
8:02
